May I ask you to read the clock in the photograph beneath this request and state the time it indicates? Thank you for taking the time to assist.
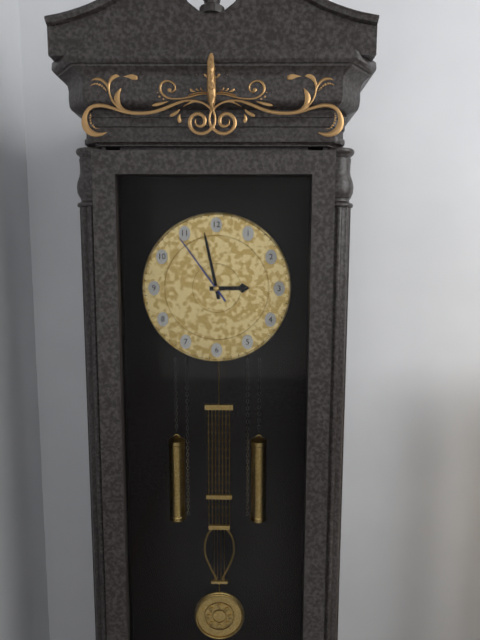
2:58:54
